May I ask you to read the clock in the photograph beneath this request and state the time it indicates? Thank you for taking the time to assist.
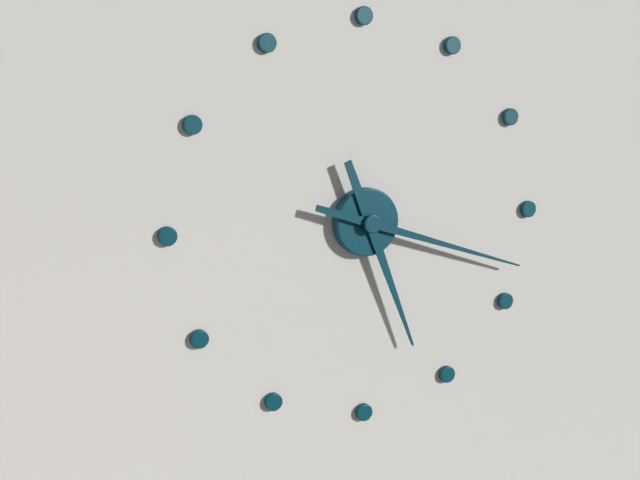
5:18
